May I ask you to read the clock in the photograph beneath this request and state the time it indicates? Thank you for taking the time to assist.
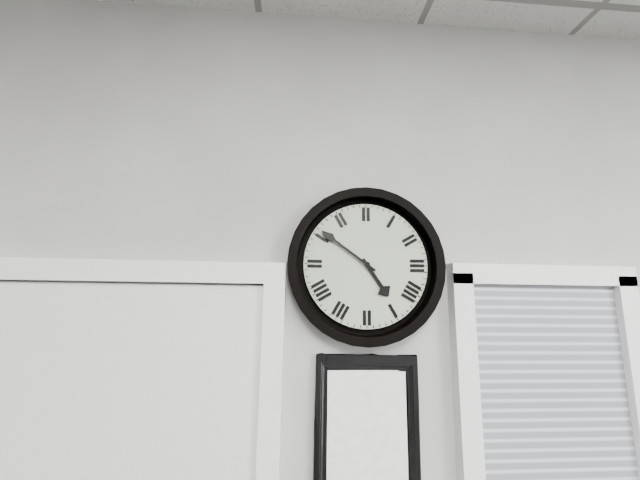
4:51
